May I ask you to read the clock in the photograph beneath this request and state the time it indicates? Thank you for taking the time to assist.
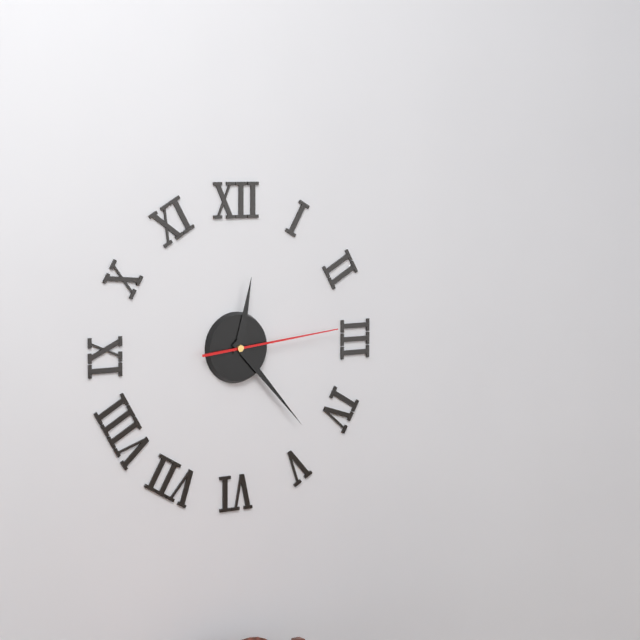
12:23:14
